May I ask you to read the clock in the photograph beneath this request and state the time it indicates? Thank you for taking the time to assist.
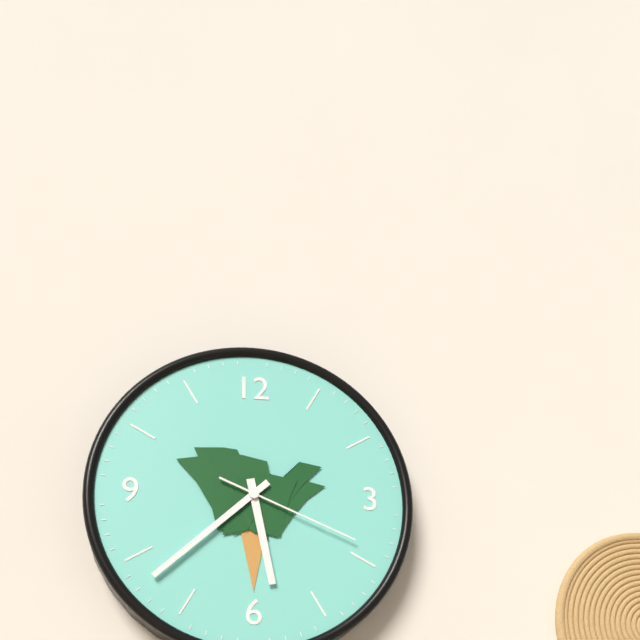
5:38:19
